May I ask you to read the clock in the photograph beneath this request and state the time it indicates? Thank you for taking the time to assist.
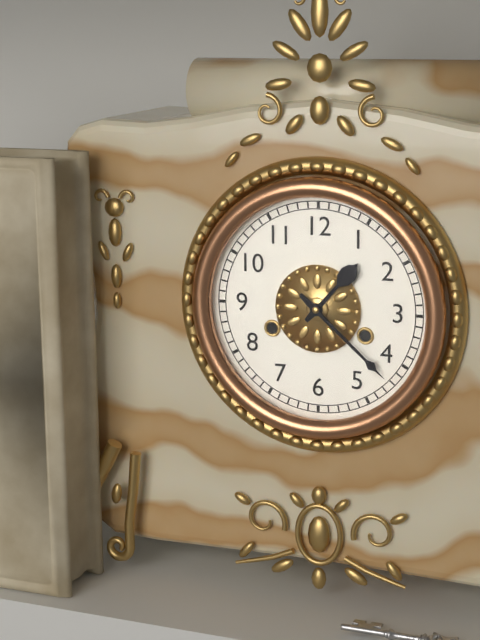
1:22
